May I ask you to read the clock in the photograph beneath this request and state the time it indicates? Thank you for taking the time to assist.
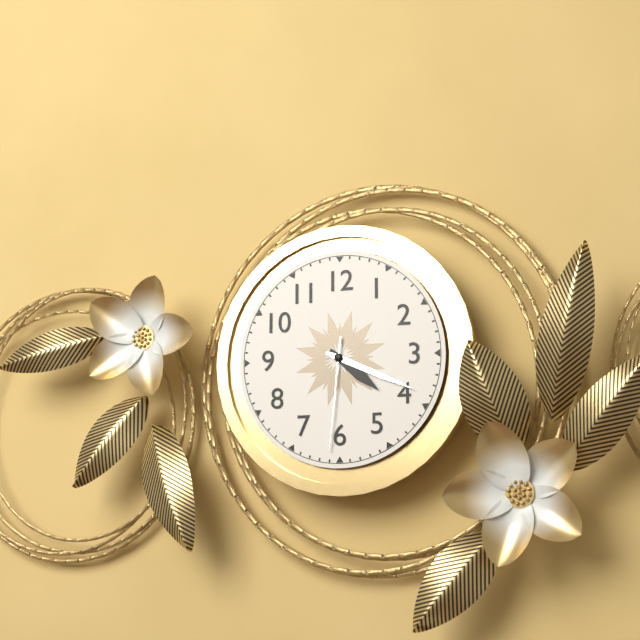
4:19:31
